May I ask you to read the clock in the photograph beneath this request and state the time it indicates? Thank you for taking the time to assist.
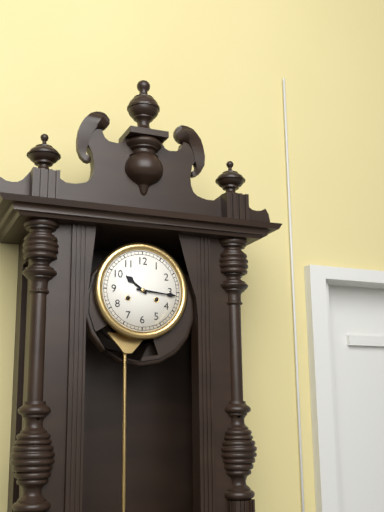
10:16
